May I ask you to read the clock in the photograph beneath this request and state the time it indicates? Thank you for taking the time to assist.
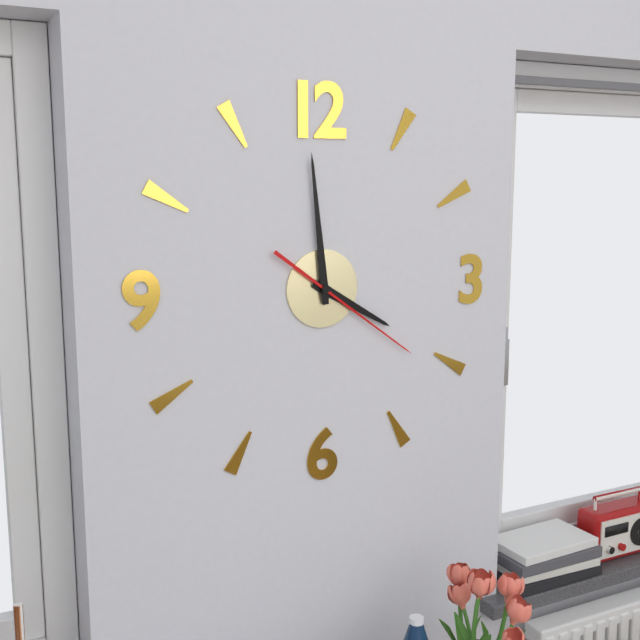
3:59:21
